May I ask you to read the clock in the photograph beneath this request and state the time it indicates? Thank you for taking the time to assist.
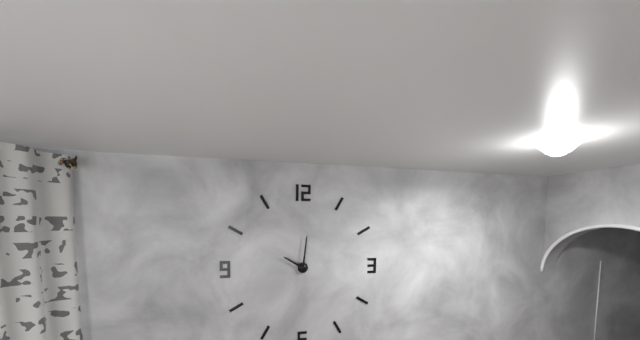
10:01
